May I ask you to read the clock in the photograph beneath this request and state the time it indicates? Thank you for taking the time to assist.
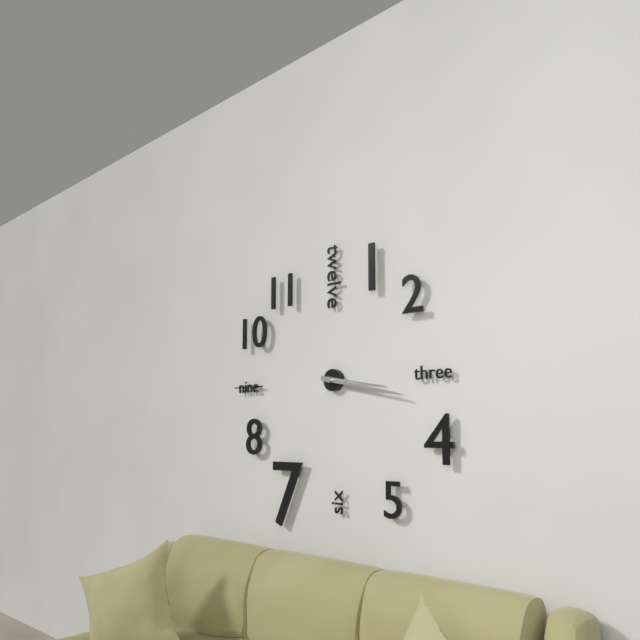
3:17
